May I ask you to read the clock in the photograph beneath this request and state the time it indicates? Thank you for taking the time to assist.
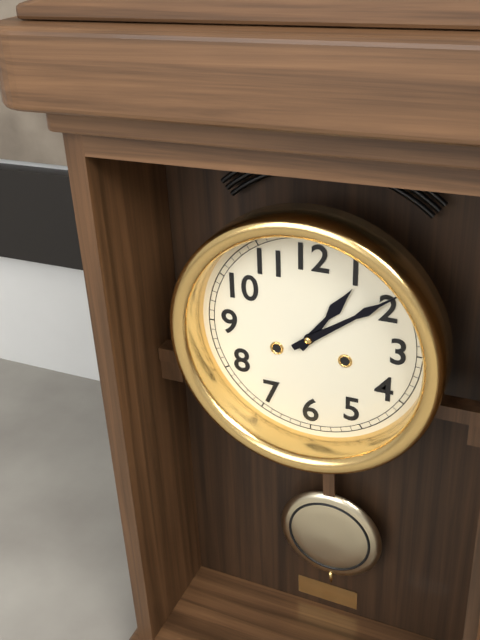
1:09
